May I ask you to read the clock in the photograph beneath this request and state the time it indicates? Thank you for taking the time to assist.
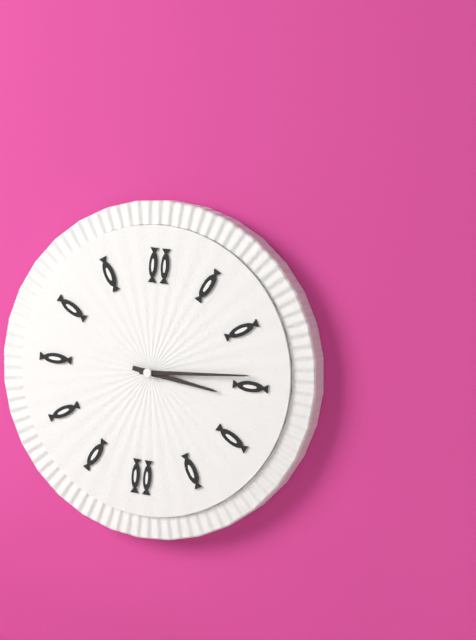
3:14
